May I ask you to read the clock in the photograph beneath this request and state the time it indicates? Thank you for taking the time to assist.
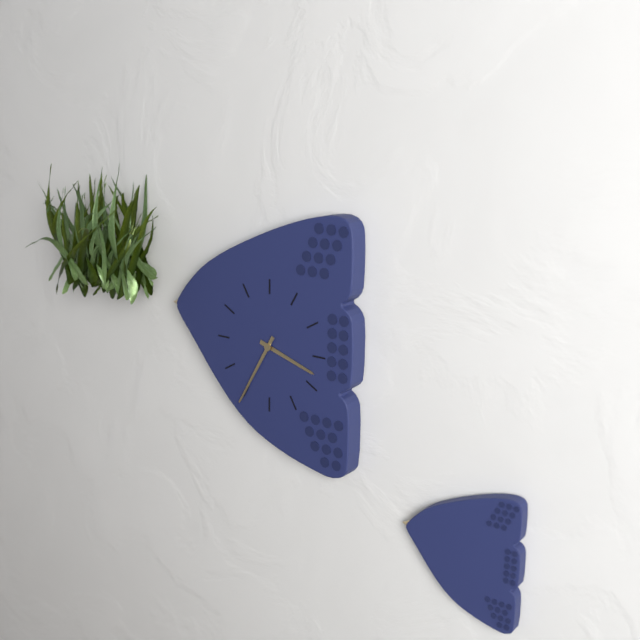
3:35
